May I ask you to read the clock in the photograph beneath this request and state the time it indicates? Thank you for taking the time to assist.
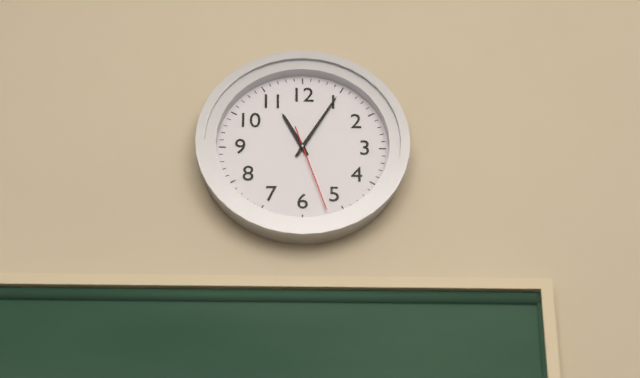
11:05:27
